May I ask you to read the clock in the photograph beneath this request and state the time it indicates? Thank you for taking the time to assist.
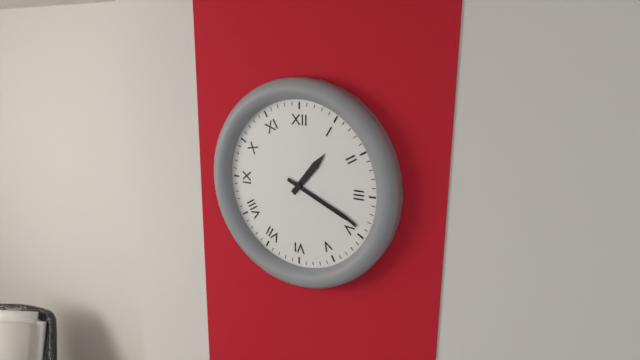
1:19
